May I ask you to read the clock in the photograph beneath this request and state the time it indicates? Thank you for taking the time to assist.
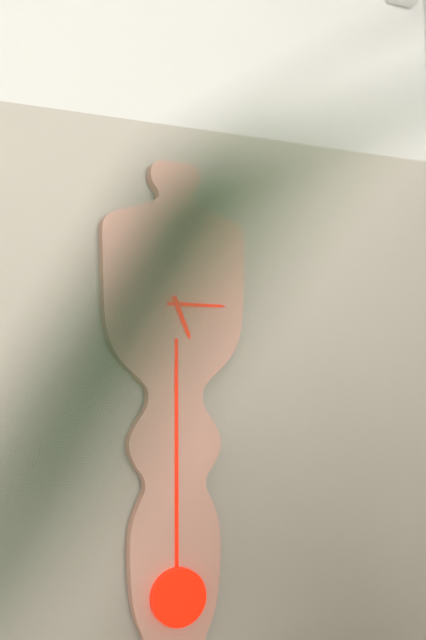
5:15
